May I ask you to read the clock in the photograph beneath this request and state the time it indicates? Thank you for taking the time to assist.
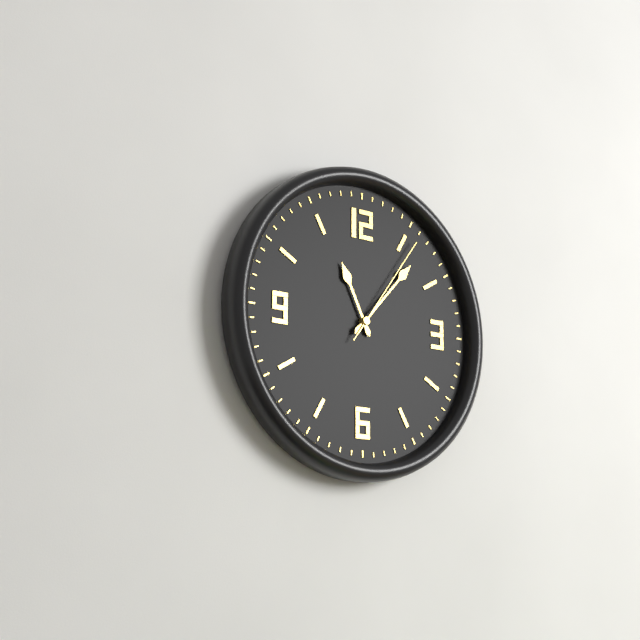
11:07:06
